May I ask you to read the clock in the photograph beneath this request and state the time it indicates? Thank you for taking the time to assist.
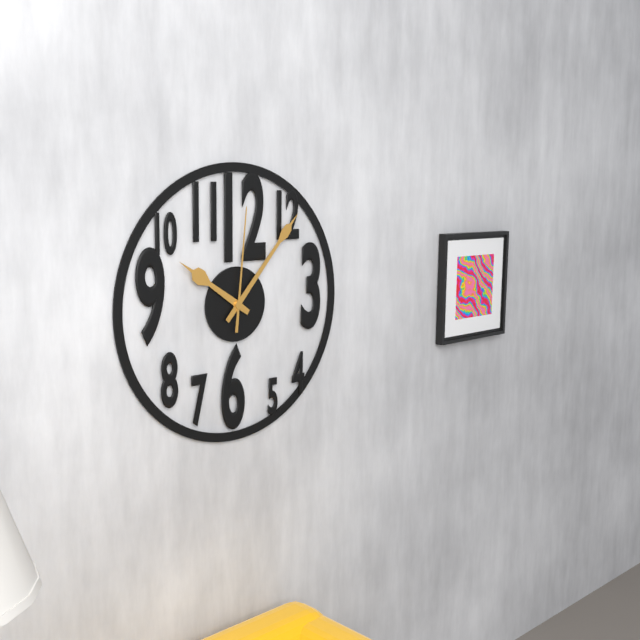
10:07:01
